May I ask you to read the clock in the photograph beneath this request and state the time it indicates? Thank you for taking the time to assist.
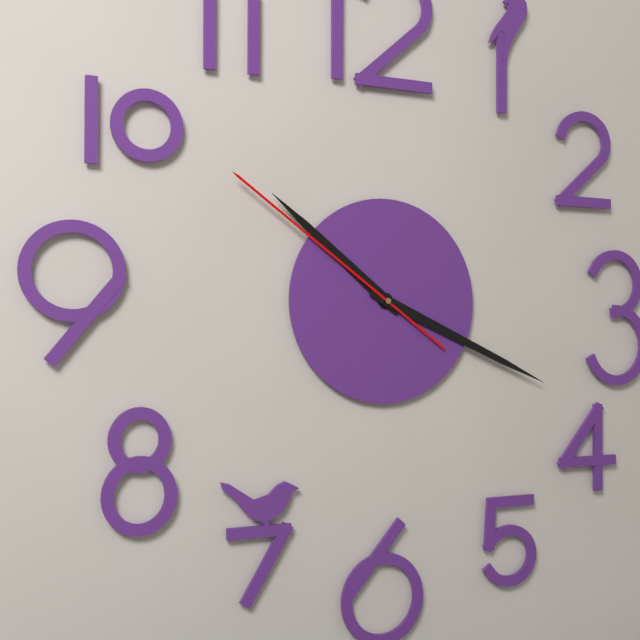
10:19:51
